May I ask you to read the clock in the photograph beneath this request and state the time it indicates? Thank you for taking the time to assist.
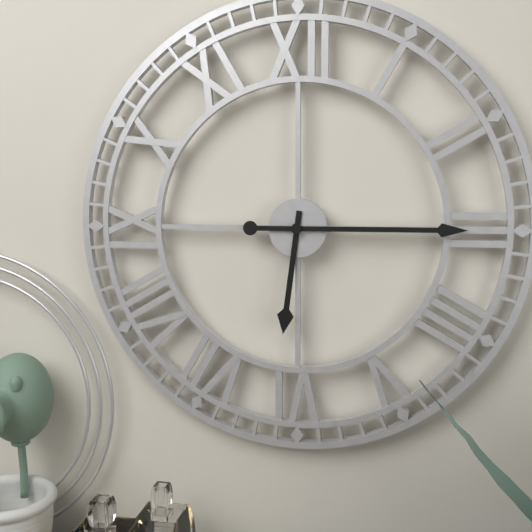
6:15
